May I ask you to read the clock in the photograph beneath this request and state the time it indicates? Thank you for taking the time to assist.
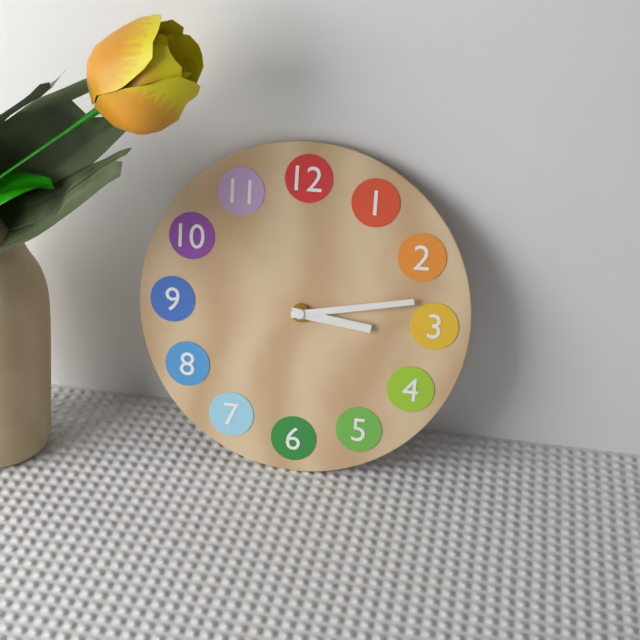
3:13
